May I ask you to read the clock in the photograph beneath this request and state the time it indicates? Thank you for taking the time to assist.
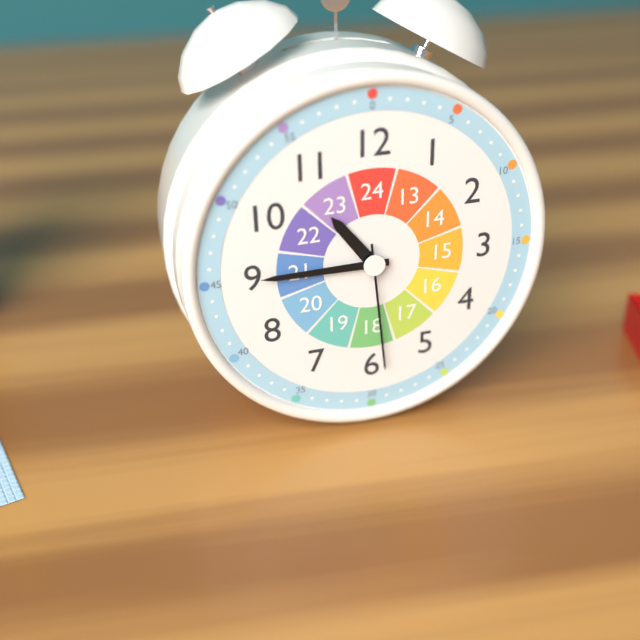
10:45:29
